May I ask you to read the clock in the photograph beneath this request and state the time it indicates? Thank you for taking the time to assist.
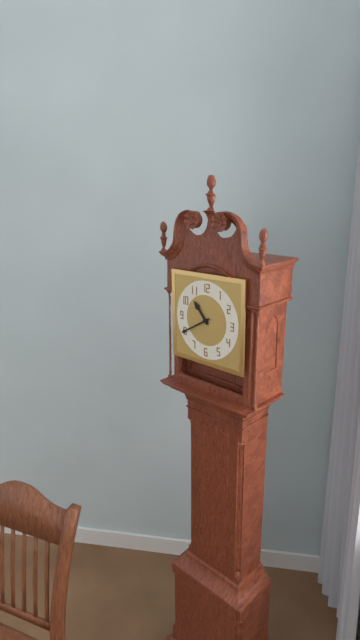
10:40
